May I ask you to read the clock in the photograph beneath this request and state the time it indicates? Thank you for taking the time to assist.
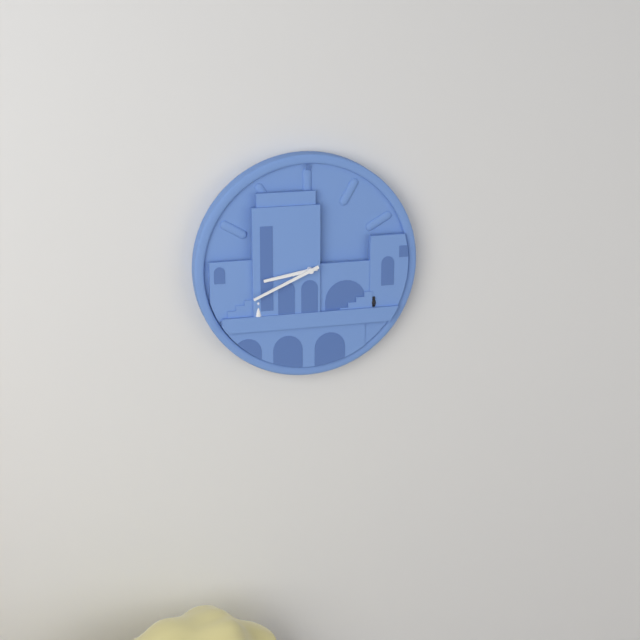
8:41
